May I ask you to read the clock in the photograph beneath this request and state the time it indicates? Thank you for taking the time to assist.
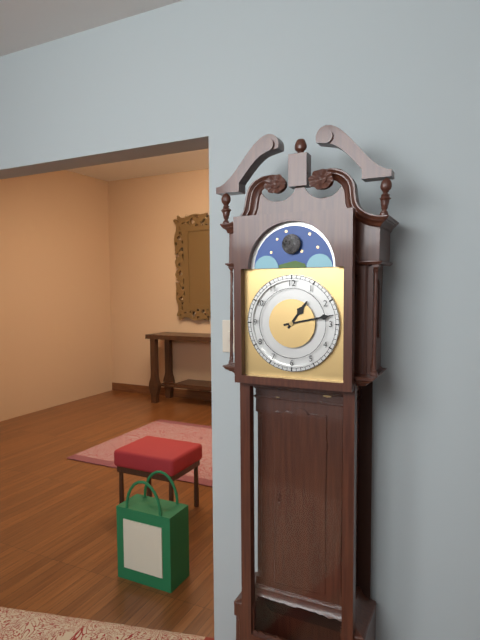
1:13
